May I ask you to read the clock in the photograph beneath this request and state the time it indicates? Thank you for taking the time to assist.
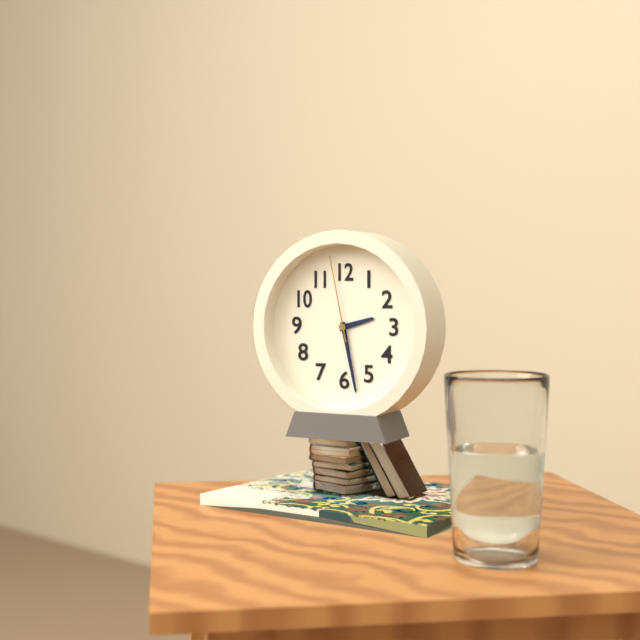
2:28:58
